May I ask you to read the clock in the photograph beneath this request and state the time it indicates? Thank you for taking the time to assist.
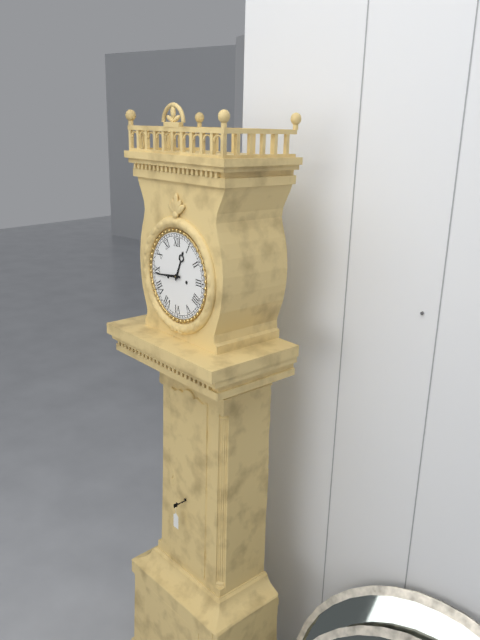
12:44
